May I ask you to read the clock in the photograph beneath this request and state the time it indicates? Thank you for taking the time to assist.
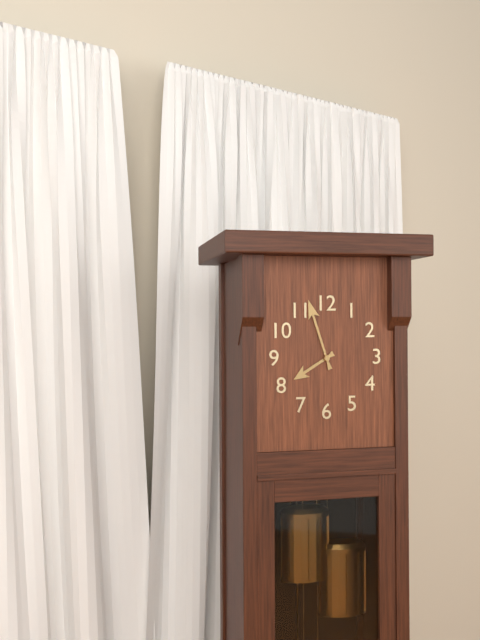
7:57
